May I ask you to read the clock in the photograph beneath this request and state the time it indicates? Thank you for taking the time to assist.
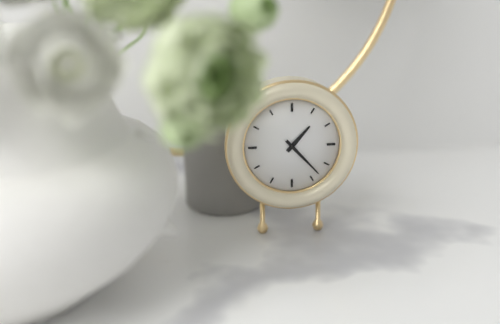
1:23
